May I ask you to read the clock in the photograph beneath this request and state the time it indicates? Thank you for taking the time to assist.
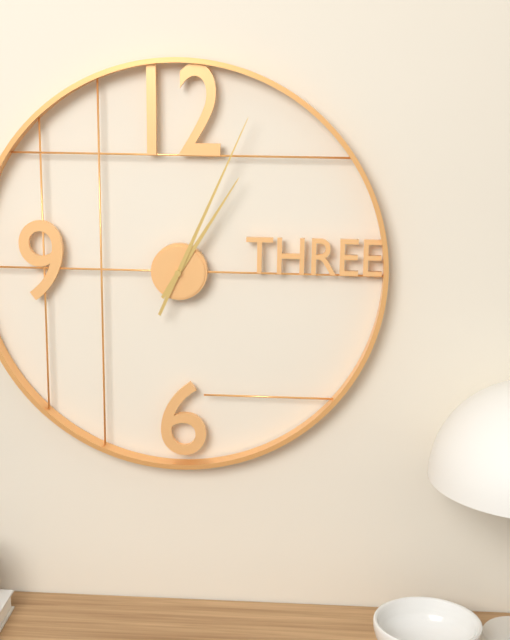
1:04
